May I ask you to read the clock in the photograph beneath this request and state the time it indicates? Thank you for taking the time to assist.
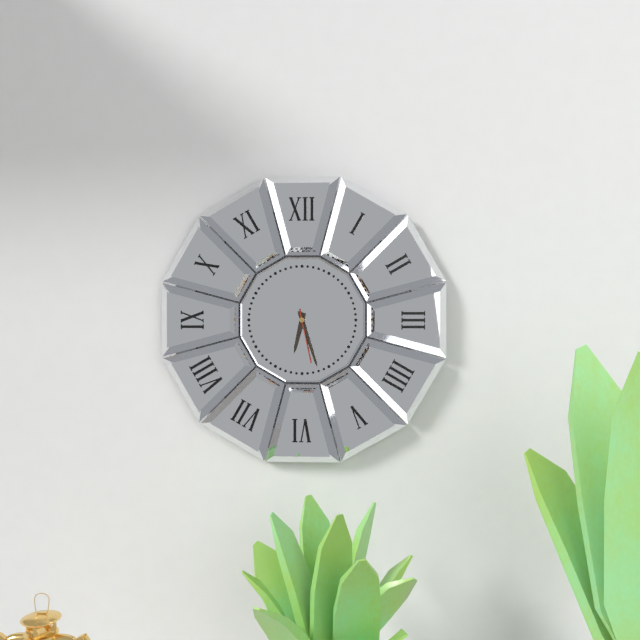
6:27:28
